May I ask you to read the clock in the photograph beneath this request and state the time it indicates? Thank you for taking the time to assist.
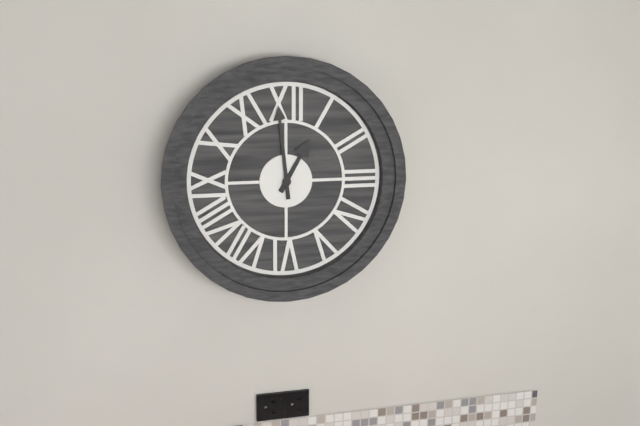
12:59
